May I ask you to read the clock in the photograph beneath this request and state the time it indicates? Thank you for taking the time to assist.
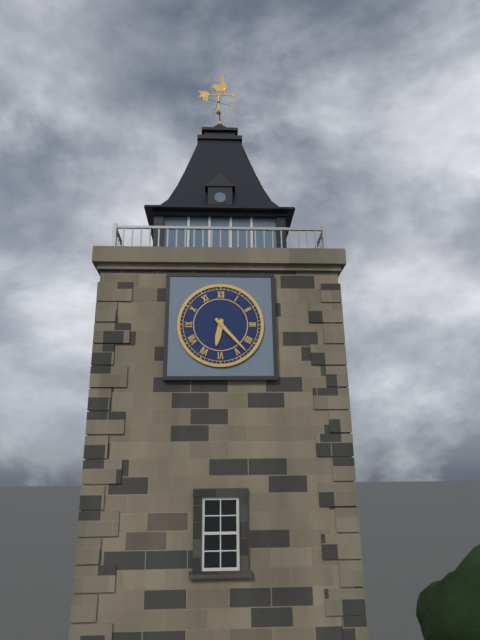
6:23
